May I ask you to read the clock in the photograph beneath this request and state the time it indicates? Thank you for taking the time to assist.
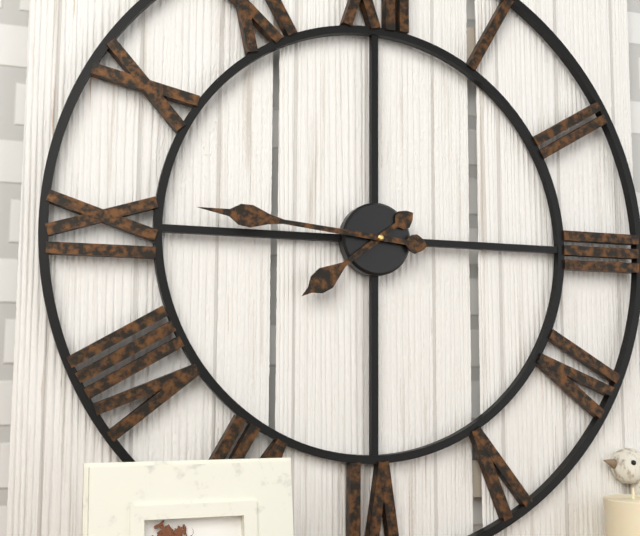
7:46
